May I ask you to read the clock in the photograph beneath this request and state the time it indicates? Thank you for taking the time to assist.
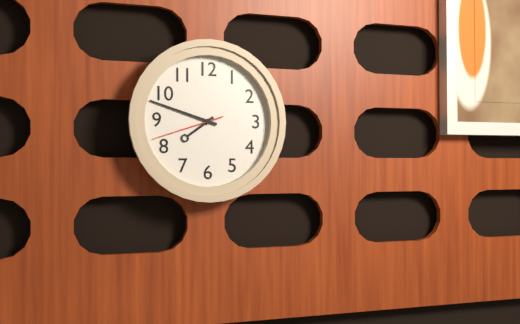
7:48:42
